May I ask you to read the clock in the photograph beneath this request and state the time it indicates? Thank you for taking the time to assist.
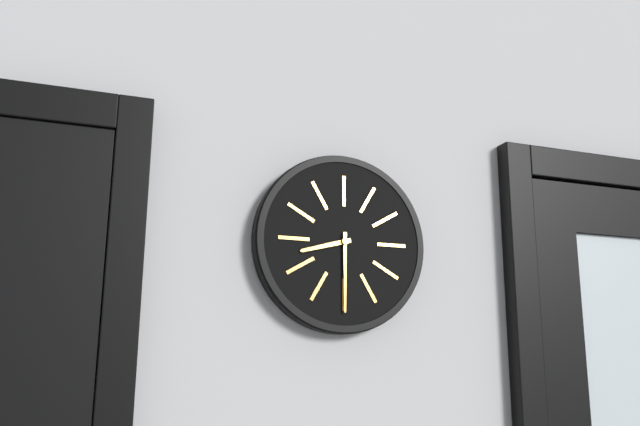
8:30
